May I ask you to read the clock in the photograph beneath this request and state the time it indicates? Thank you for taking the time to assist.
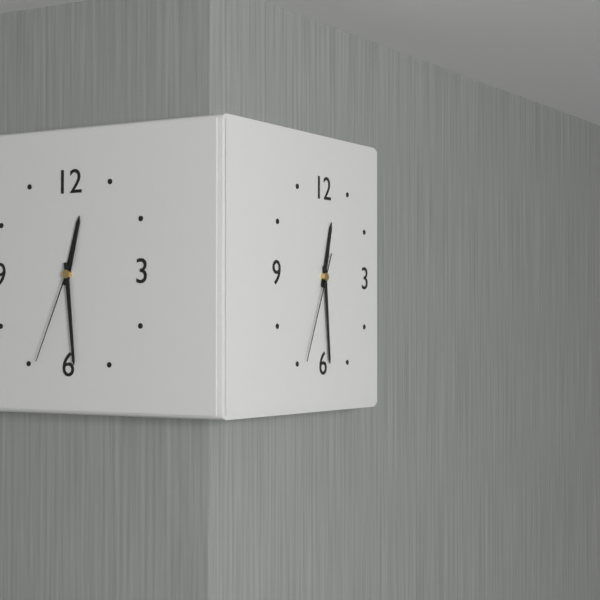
12:29:34
